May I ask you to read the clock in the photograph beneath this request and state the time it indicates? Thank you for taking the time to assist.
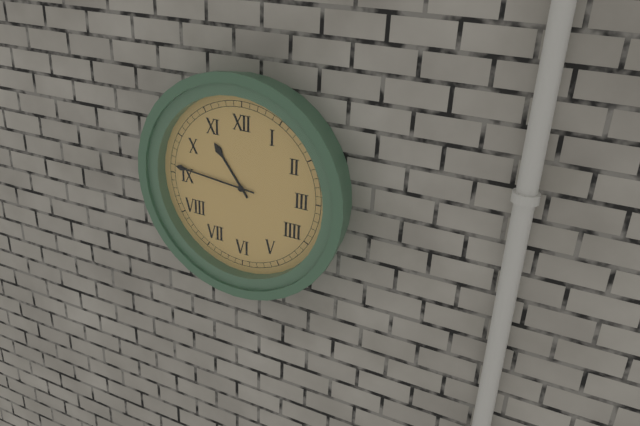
10:46
